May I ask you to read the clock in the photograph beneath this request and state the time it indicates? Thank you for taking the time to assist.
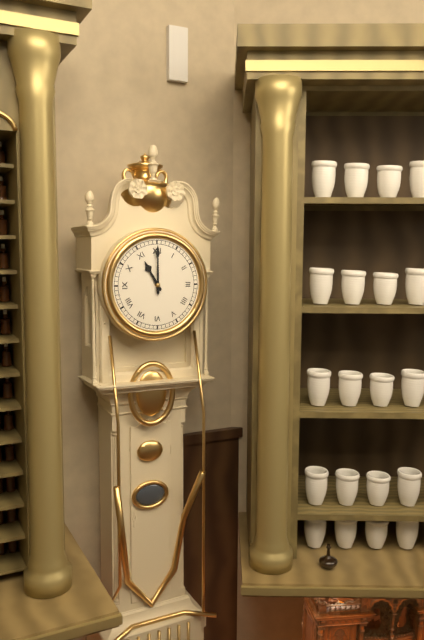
11:00
